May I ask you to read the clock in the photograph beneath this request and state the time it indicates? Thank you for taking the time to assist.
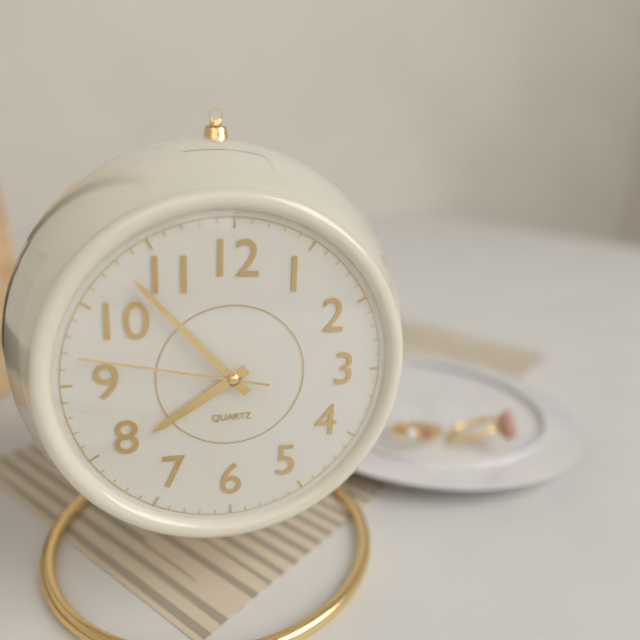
7:53:47
